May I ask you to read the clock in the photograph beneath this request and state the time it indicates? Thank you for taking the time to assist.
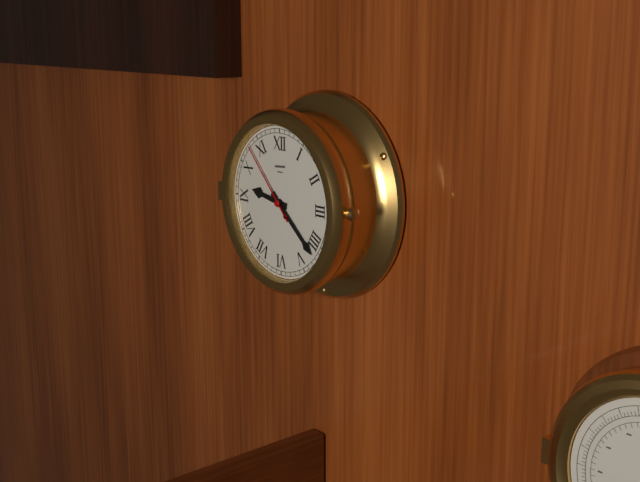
9:22:53
